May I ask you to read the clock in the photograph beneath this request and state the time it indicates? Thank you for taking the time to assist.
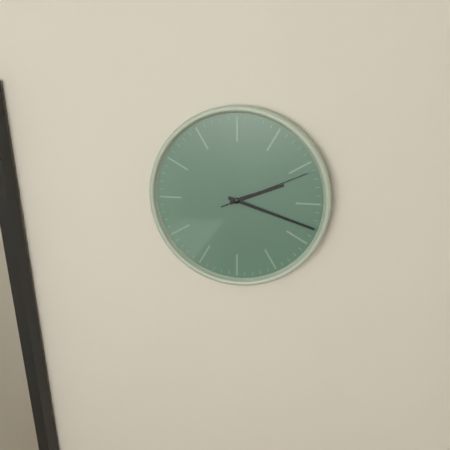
2:18:11
